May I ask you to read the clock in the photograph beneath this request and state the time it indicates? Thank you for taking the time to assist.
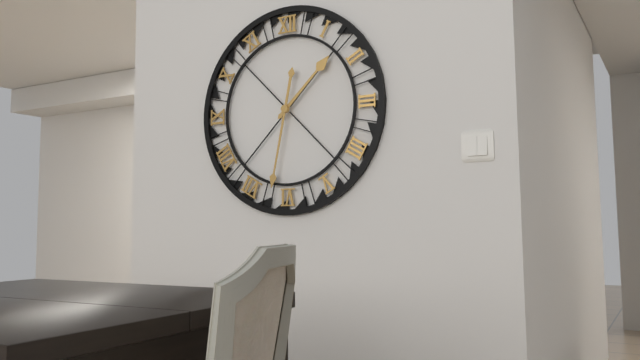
1:32
